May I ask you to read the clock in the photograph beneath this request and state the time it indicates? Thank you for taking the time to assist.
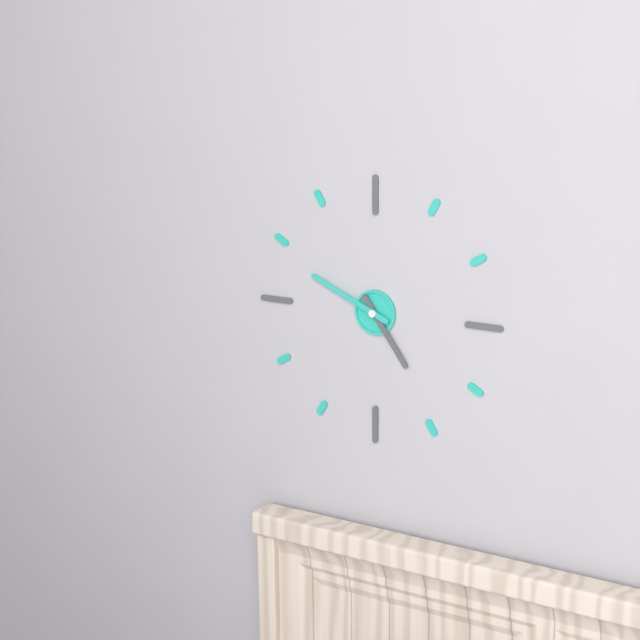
4:49
